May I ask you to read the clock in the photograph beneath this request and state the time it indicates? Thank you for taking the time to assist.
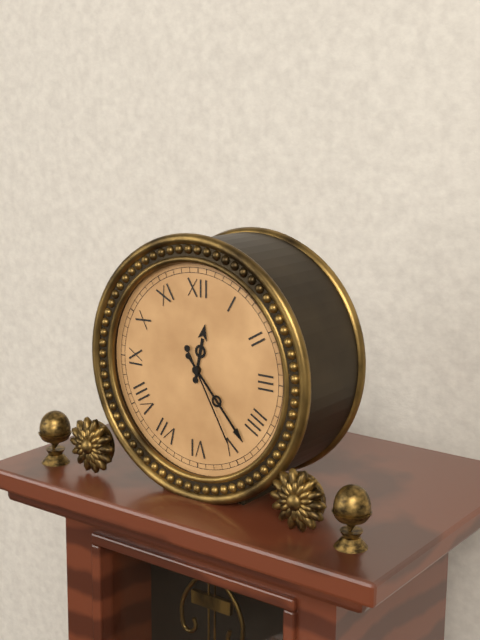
12:23:25
